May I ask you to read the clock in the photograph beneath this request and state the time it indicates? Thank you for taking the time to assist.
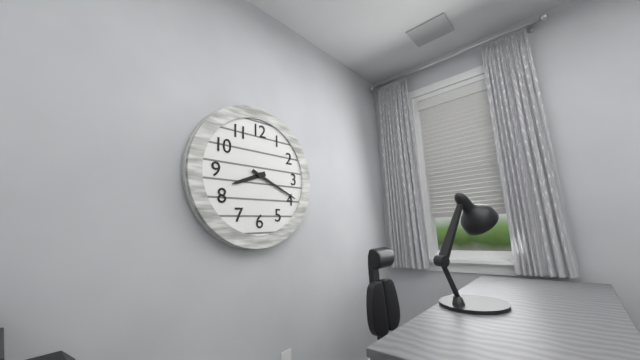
8:19
